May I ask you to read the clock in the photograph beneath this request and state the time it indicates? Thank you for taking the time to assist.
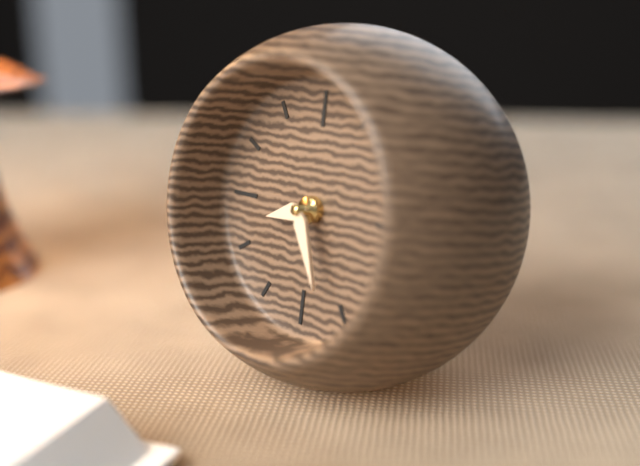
8:26
